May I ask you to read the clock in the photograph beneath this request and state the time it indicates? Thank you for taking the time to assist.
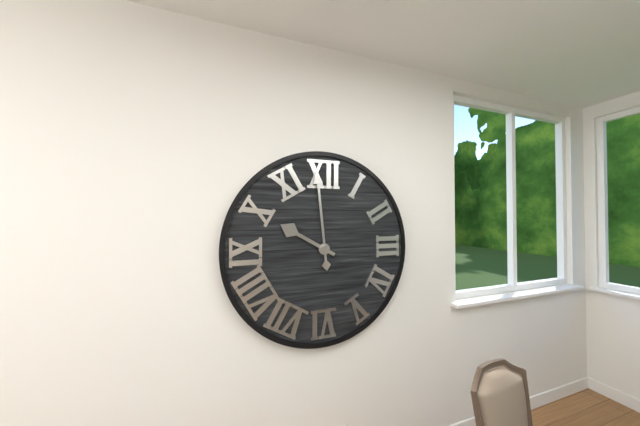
9:59
